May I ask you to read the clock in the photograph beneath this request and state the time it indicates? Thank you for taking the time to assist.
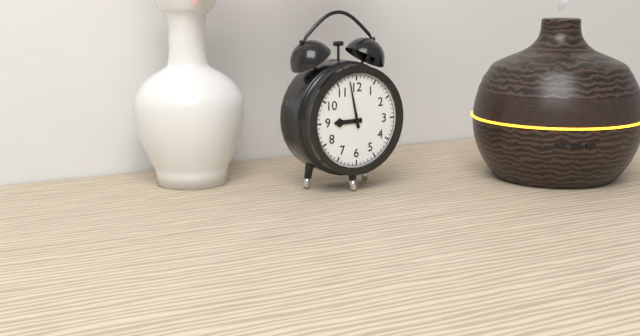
8:58
